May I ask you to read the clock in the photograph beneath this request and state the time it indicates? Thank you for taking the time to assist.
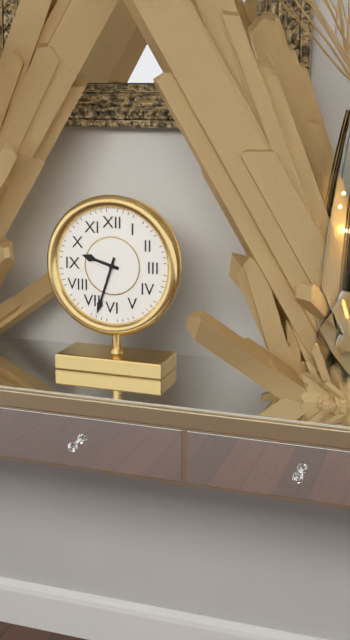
9:33
